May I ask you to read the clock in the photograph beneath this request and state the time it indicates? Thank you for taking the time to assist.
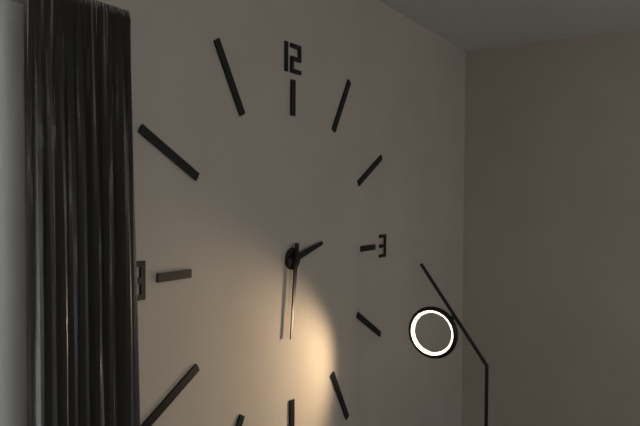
2:31
